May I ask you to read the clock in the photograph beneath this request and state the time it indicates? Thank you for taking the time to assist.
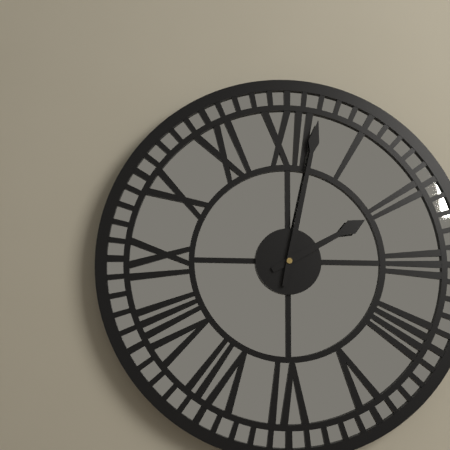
2:02
